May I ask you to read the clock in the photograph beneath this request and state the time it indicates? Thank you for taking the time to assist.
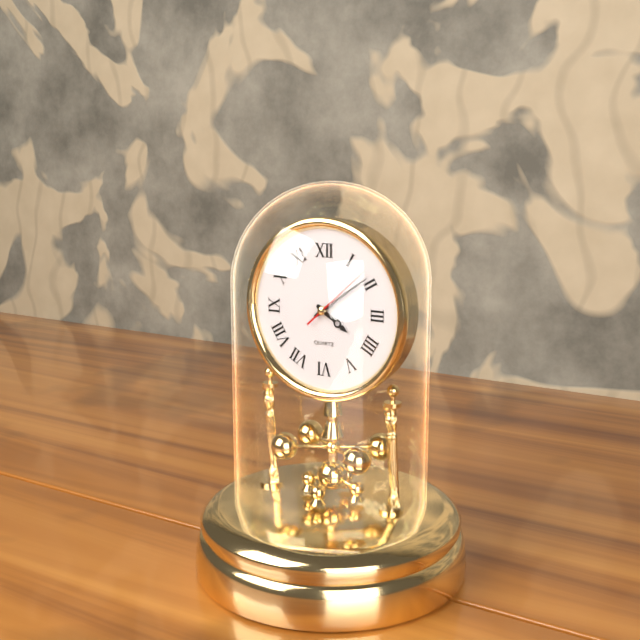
4:09:08
